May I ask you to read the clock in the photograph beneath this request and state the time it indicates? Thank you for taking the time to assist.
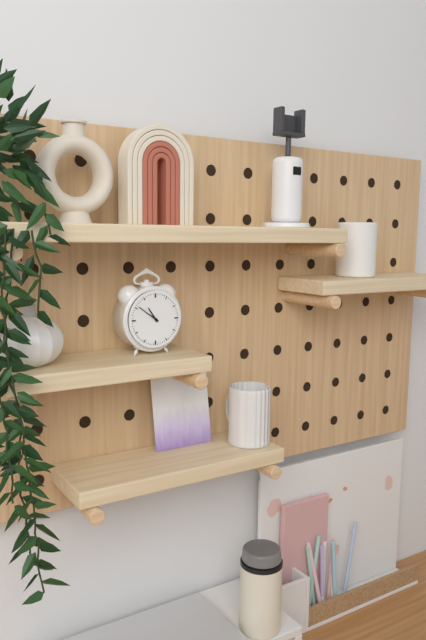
10:51
